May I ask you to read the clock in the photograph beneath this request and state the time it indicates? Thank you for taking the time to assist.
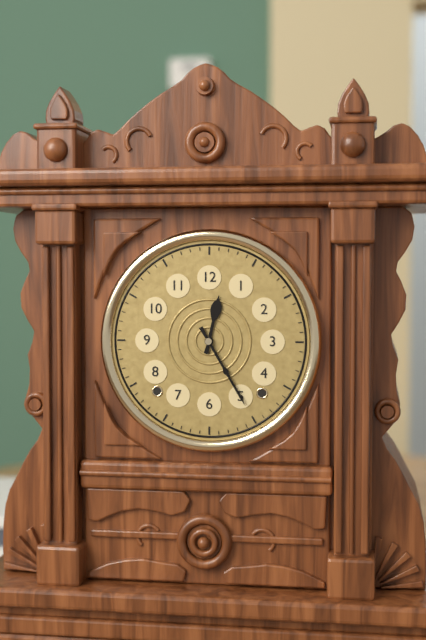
12:25
